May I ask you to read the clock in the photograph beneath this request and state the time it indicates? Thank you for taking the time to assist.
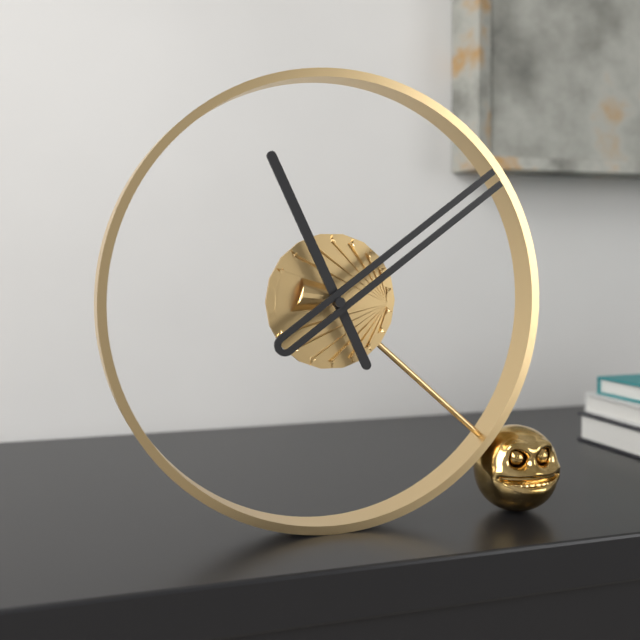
11:09
